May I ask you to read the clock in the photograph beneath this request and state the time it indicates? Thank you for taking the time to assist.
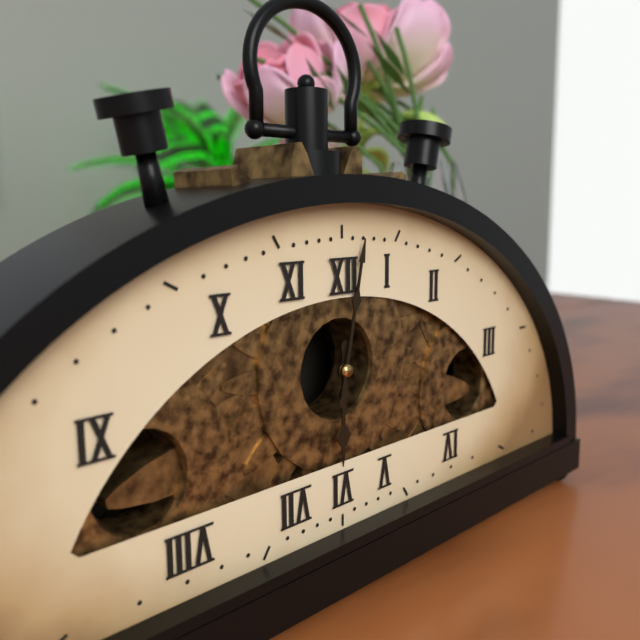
6:02
